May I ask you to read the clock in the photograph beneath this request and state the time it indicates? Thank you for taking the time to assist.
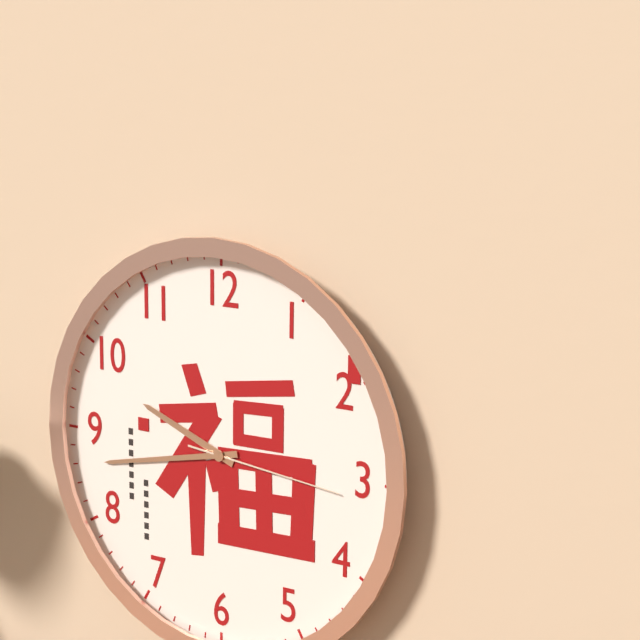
9:43:16
